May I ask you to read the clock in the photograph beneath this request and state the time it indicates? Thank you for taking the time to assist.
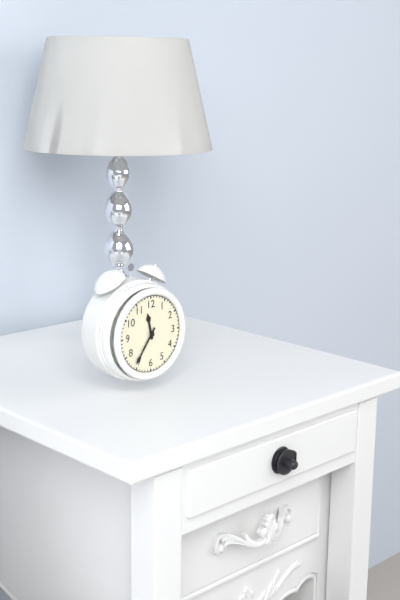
11:36
